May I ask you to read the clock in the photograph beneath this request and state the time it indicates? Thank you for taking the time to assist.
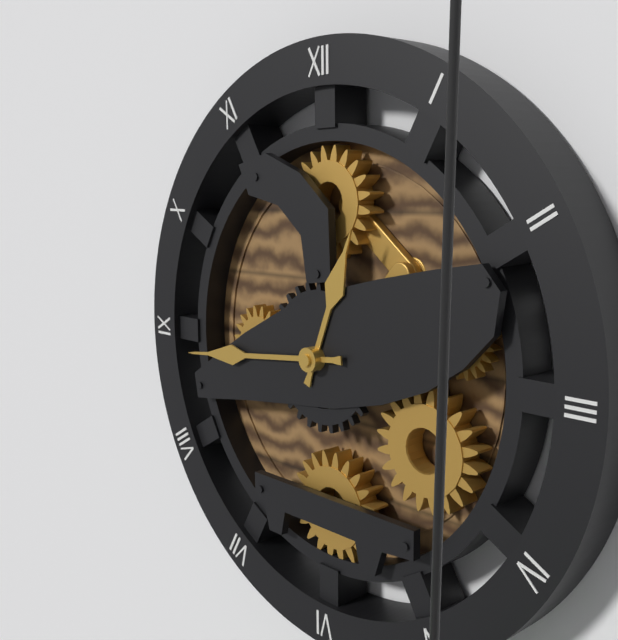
12:44
